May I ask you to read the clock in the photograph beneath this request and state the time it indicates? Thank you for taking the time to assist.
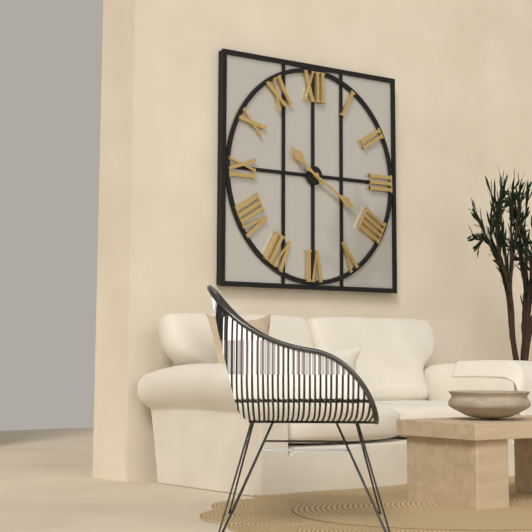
10:20
